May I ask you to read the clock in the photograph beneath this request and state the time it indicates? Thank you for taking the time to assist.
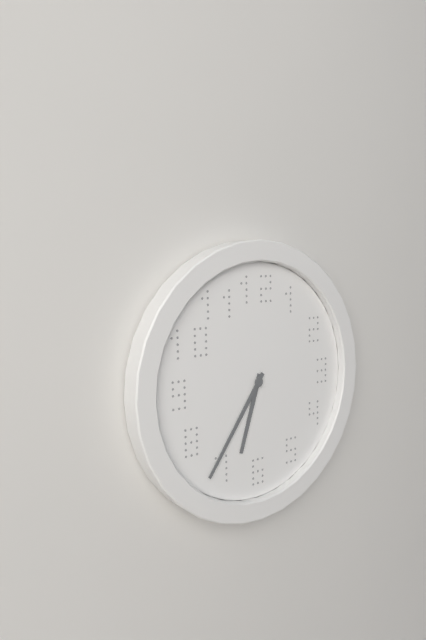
6:36
